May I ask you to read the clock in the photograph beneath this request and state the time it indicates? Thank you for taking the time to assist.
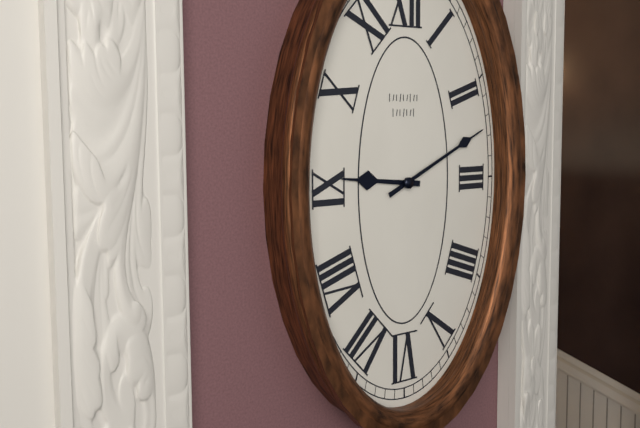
9:11
